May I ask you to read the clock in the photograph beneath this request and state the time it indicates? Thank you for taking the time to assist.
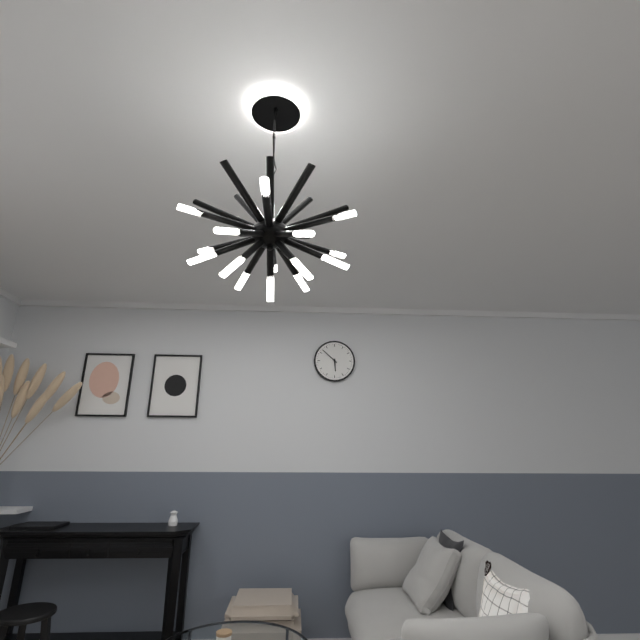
5:52
